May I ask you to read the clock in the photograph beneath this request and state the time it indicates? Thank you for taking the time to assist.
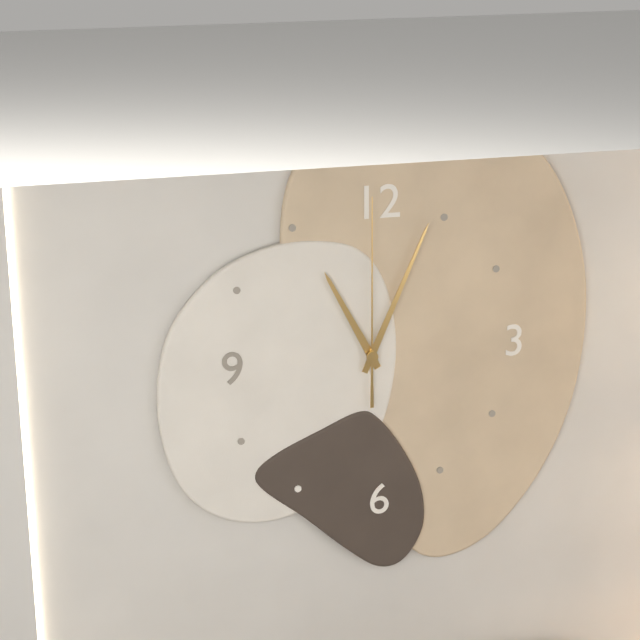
11:04:00
